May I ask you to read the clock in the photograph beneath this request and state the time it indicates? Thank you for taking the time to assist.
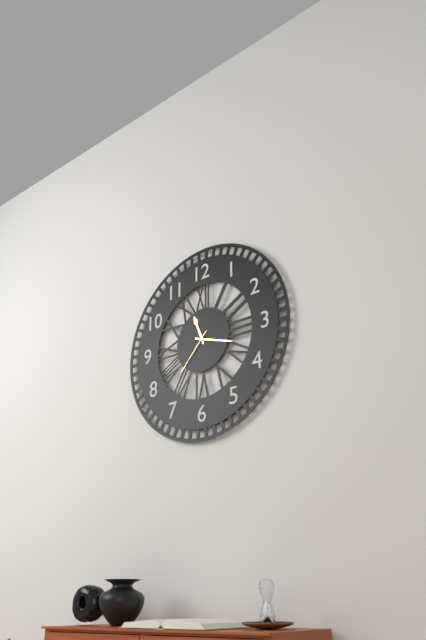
11:18:37
